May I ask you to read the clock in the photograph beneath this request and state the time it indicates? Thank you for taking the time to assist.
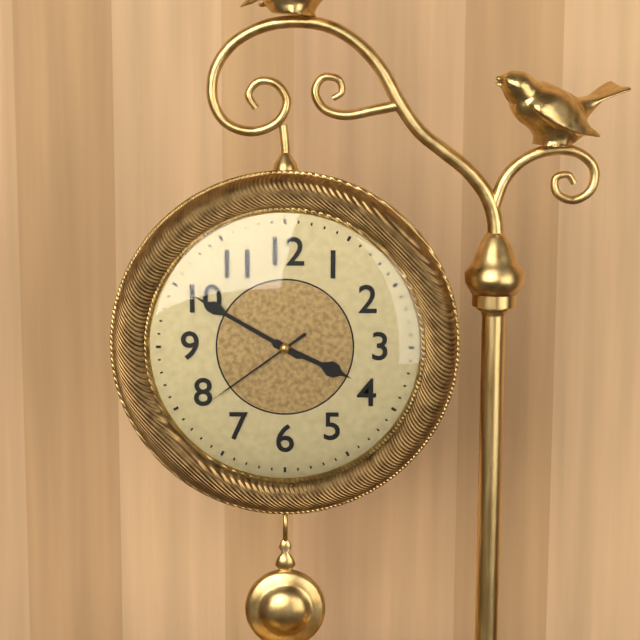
3:50:39
